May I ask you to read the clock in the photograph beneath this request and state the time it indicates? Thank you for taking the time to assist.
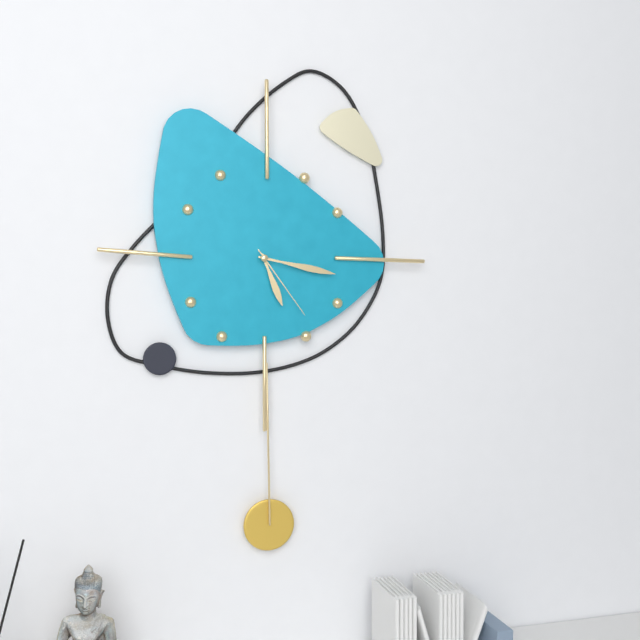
5:17:24
